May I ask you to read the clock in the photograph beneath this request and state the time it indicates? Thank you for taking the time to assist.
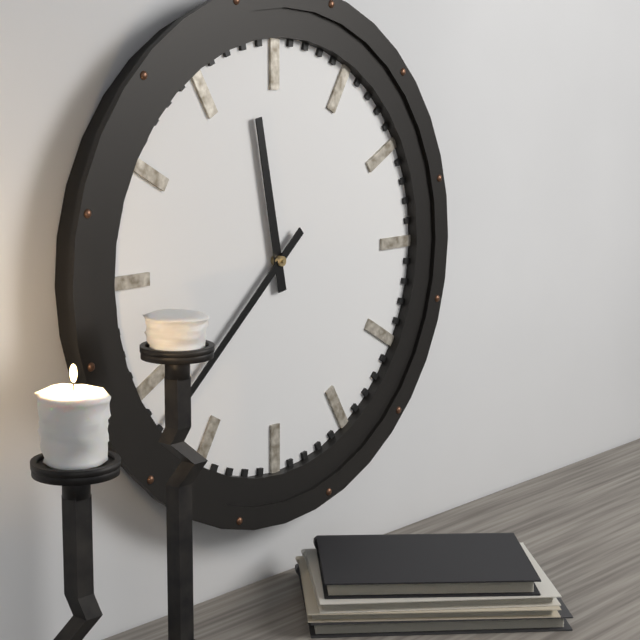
11:38
